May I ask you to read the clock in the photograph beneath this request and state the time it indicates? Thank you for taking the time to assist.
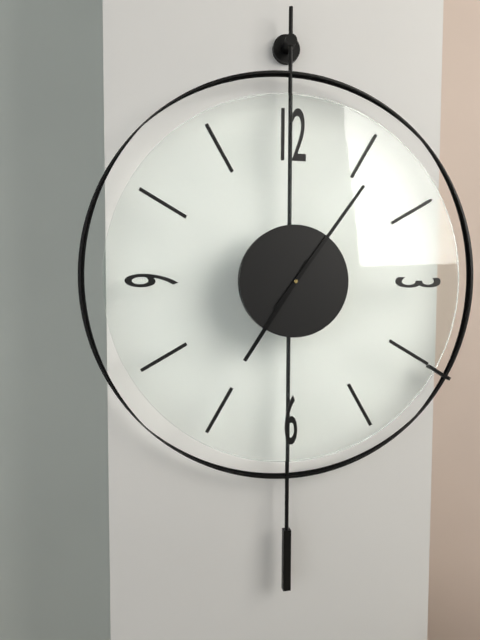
7:06
